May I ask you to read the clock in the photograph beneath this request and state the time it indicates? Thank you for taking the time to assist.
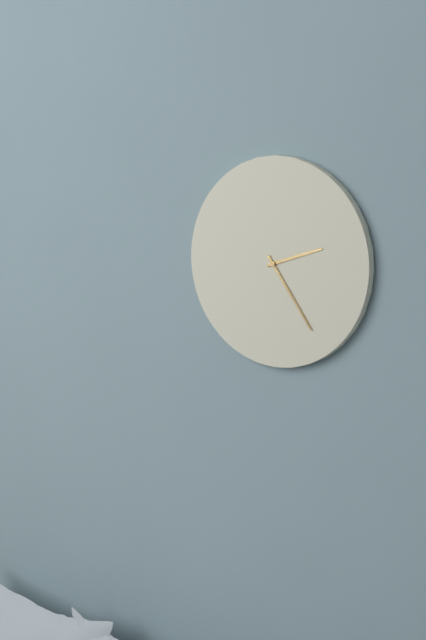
2:24
